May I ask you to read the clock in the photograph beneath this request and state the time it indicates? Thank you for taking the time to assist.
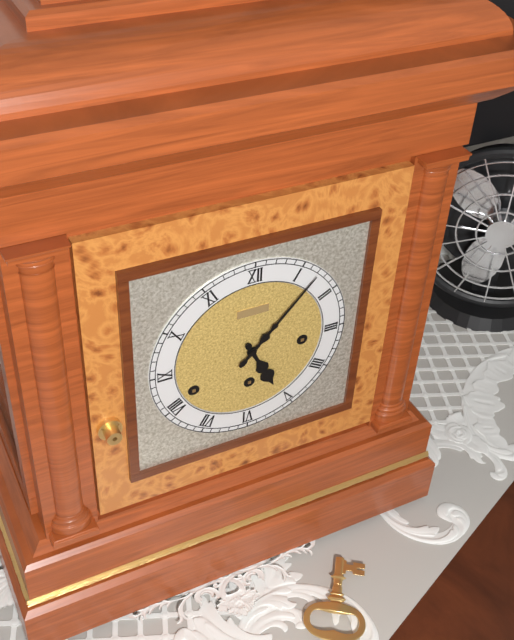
5:07
